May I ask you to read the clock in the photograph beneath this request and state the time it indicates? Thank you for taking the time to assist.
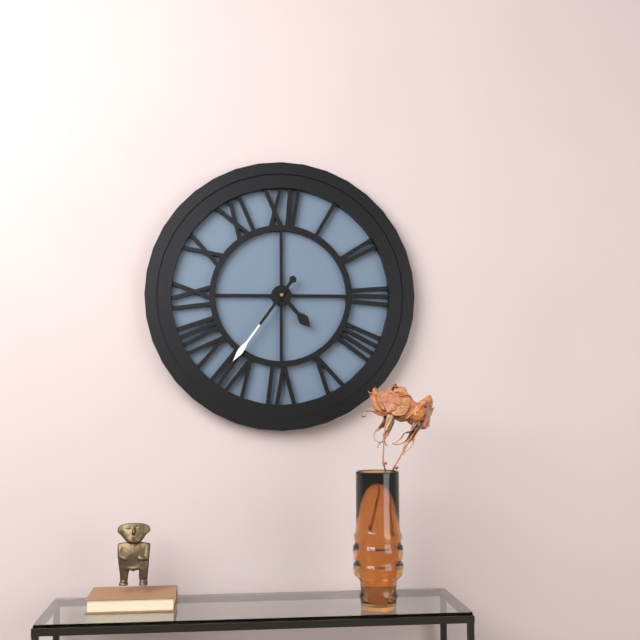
4:36
